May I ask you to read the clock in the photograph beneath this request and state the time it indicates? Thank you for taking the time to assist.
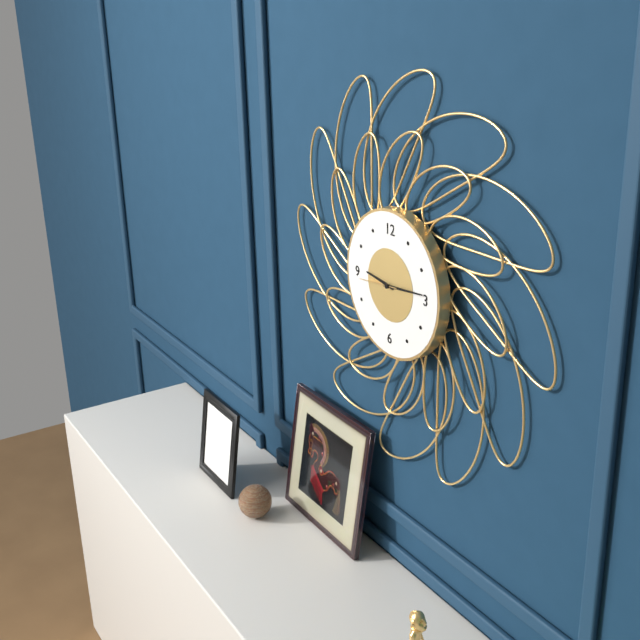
9:14
